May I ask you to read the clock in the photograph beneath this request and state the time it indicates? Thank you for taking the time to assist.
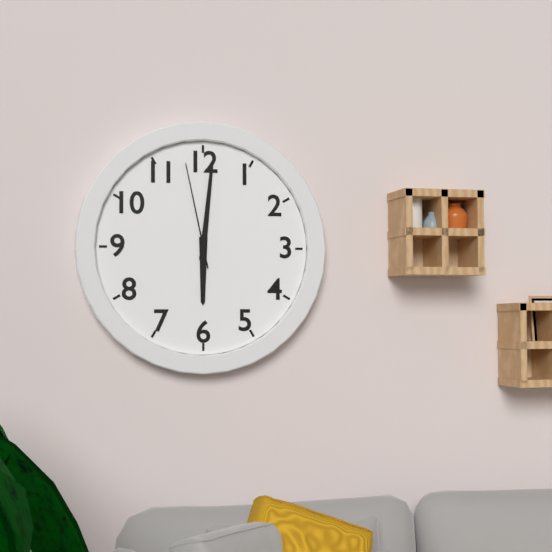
6:01:58
